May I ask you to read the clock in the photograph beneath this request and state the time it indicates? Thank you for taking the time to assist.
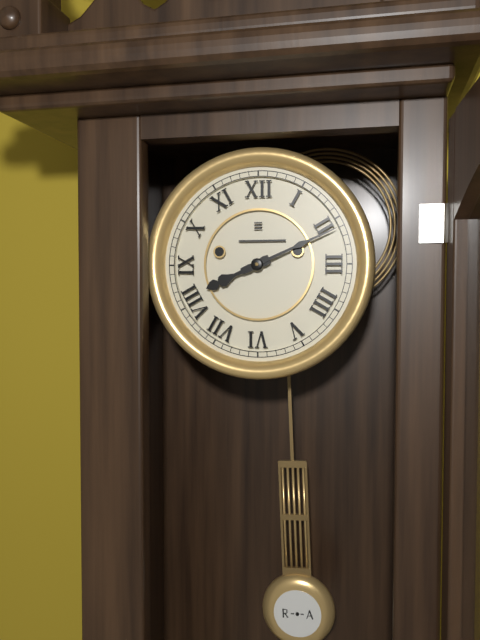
8:11
